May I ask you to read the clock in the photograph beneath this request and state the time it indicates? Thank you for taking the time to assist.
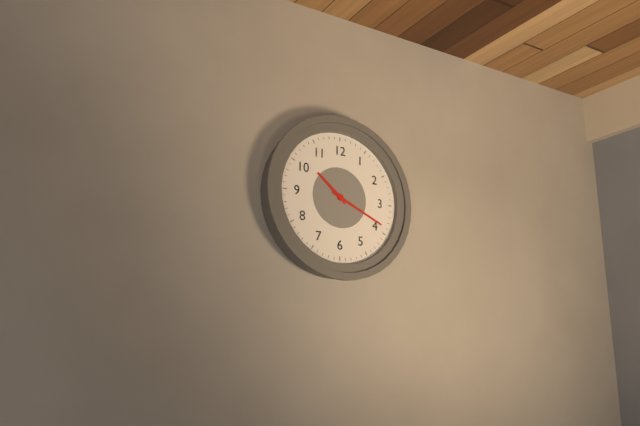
10:19
